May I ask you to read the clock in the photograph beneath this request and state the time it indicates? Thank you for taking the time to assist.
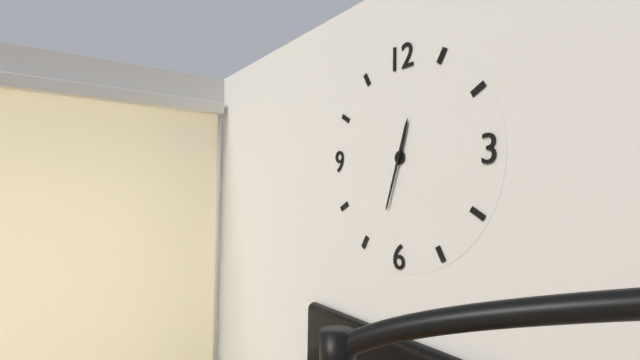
12:33
